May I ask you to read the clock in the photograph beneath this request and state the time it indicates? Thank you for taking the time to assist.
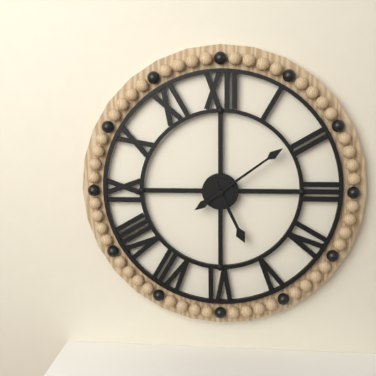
5:09
